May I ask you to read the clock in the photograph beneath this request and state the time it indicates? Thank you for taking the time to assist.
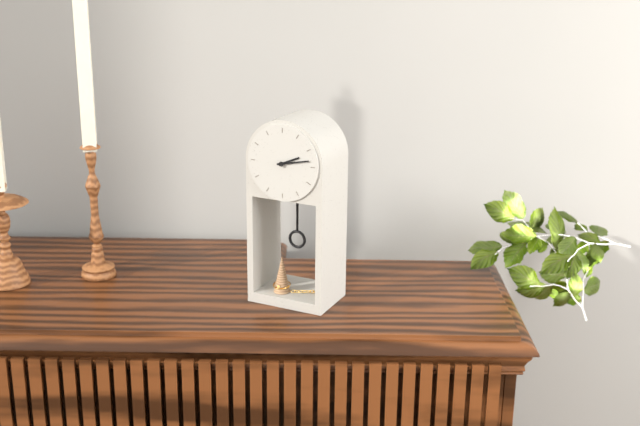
2:13
